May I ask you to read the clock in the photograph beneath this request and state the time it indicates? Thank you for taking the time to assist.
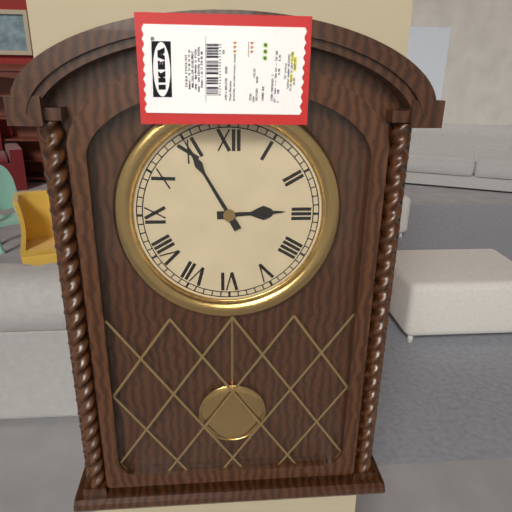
2:55
